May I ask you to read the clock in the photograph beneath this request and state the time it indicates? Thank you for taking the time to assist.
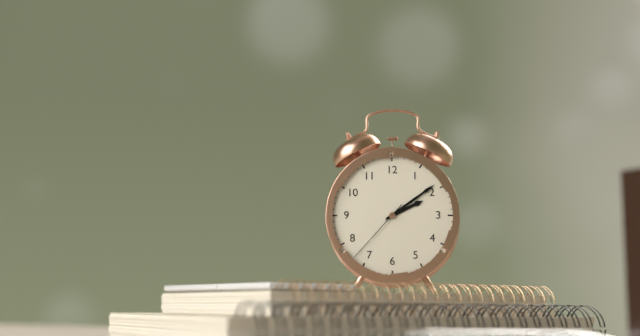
2:09:37
